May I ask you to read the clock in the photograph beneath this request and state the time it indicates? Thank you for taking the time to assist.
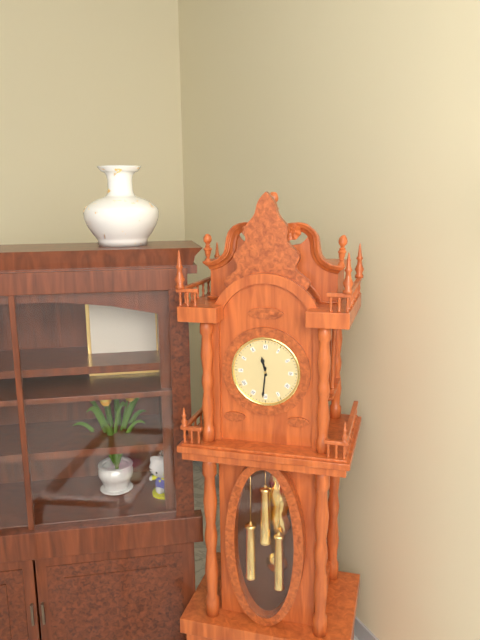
11:31
